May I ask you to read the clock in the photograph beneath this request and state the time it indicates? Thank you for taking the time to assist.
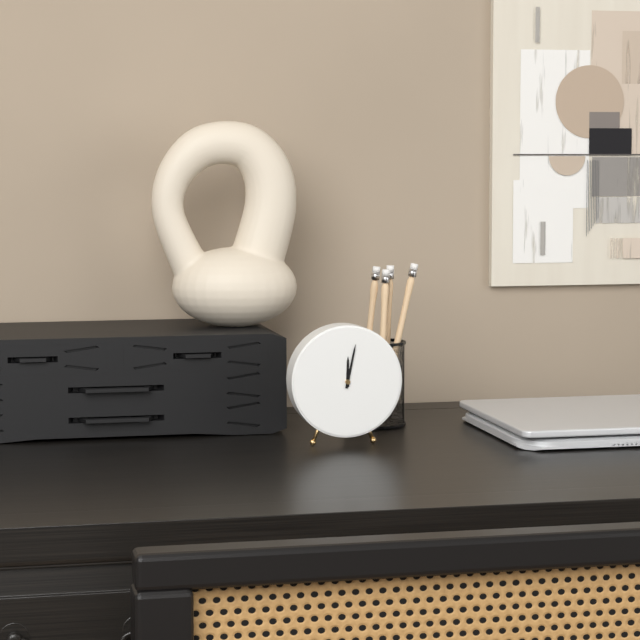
12:02
